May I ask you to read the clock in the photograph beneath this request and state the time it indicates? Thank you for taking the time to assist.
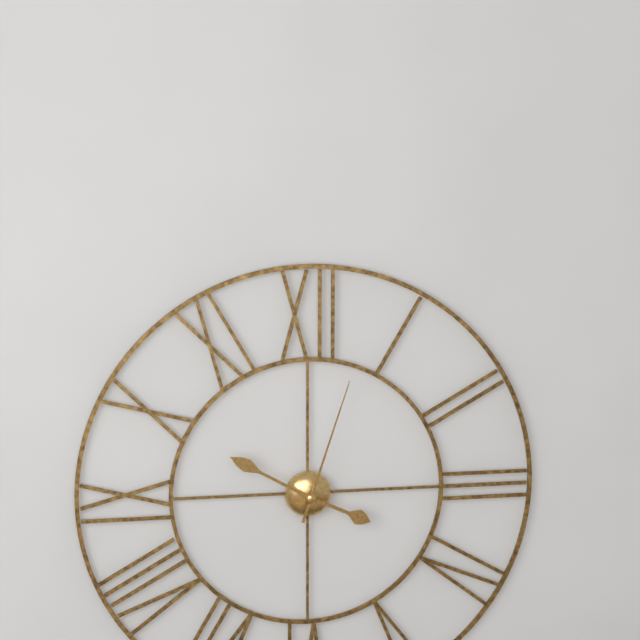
3:50:03
